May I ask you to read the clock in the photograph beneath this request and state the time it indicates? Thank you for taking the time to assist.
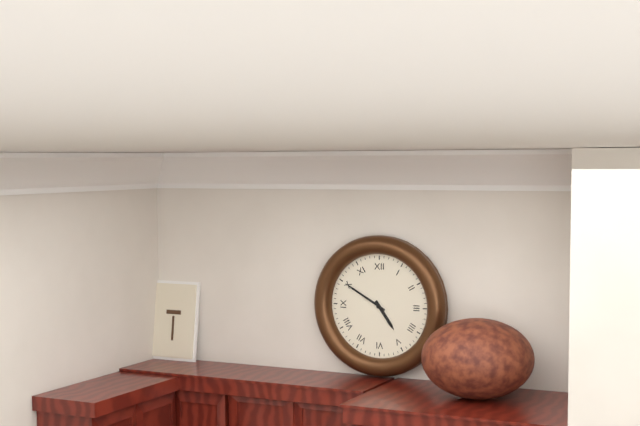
4:50
